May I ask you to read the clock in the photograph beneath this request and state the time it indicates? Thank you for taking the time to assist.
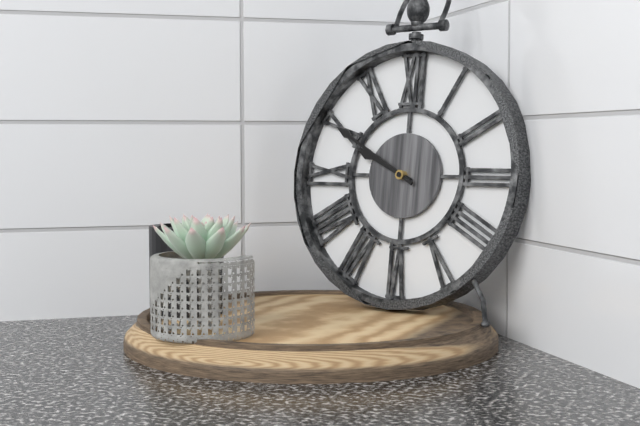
9:50
